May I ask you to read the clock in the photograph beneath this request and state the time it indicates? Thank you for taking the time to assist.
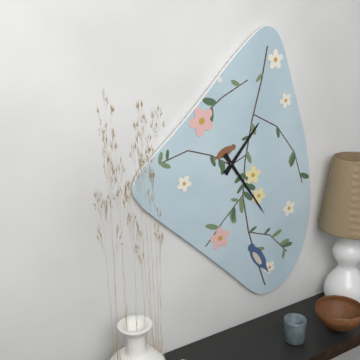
1:24
